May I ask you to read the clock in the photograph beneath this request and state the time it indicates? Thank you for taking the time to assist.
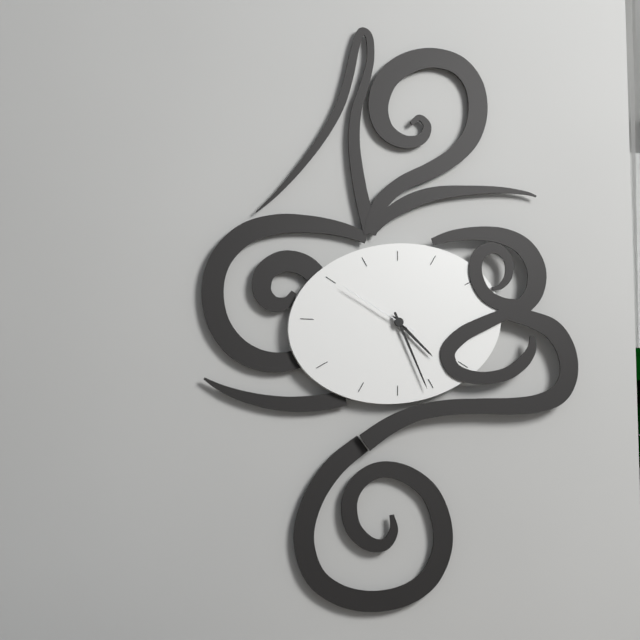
4:26:50
